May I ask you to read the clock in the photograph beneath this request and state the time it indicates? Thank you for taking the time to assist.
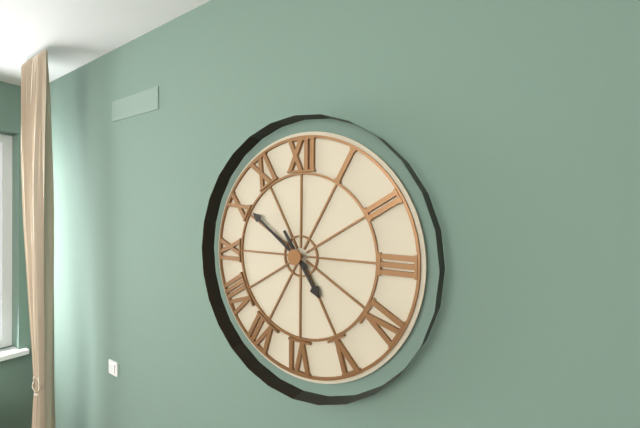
4:51
